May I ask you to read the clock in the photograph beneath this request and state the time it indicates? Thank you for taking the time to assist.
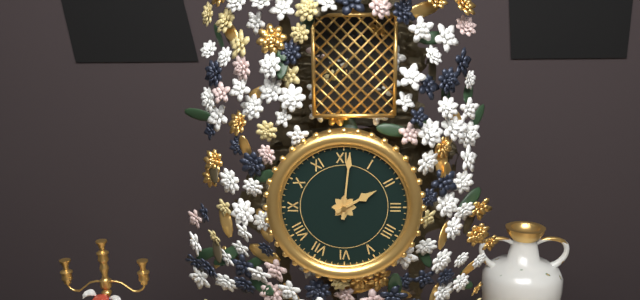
2:01
